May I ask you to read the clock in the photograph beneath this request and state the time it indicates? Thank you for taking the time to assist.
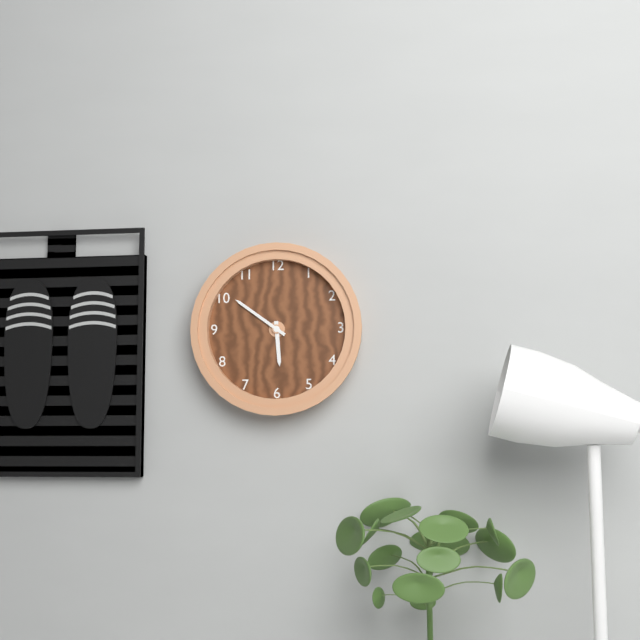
5:51
